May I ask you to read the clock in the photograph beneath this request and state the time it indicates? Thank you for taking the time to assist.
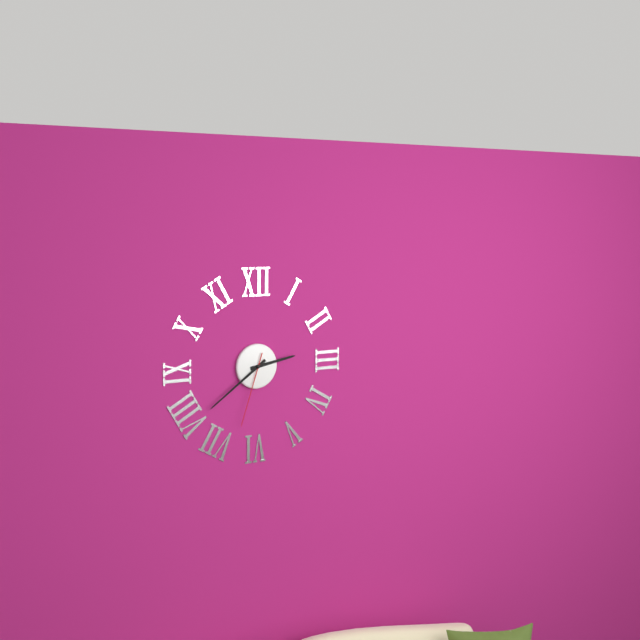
2:39:33
